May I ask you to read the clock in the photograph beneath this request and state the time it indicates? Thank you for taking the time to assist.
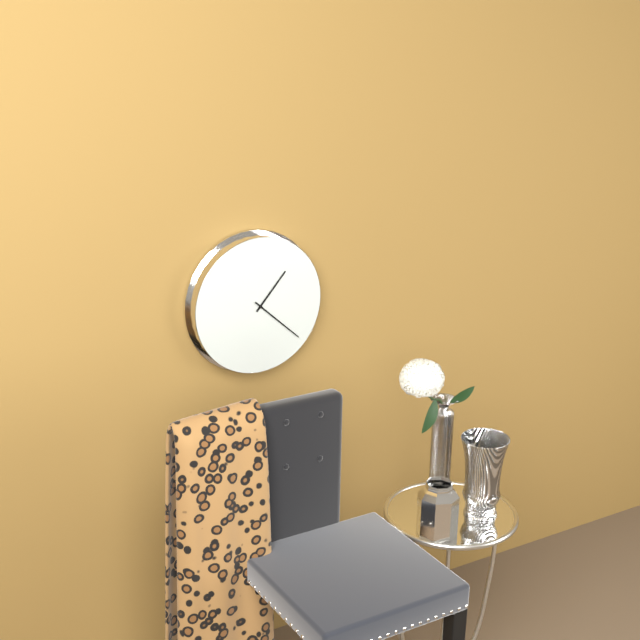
1:22
